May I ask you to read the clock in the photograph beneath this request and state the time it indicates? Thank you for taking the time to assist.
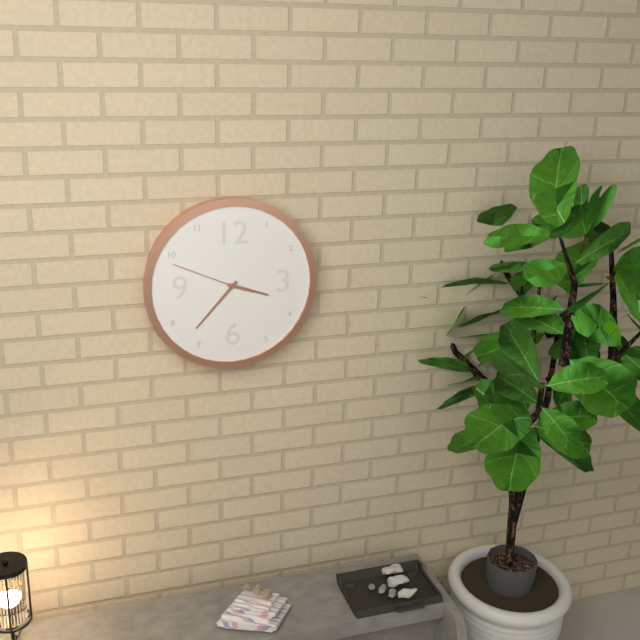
3:37:49
